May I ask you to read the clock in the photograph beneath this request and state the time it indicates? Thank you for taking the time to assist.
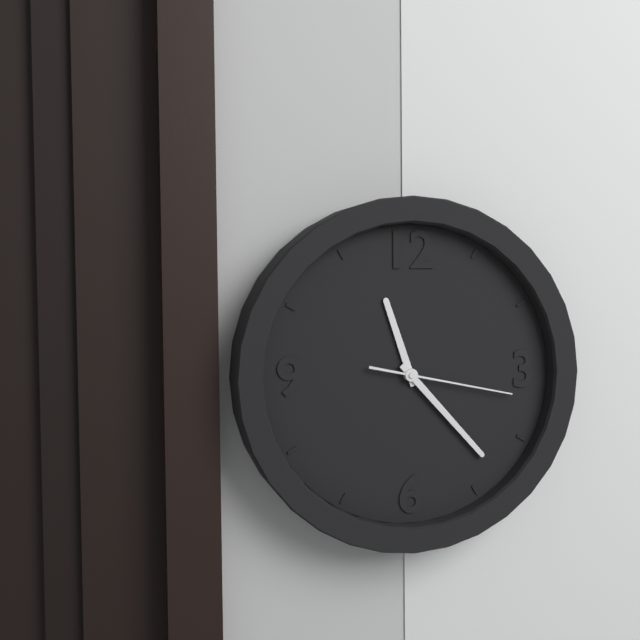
11:23:17
